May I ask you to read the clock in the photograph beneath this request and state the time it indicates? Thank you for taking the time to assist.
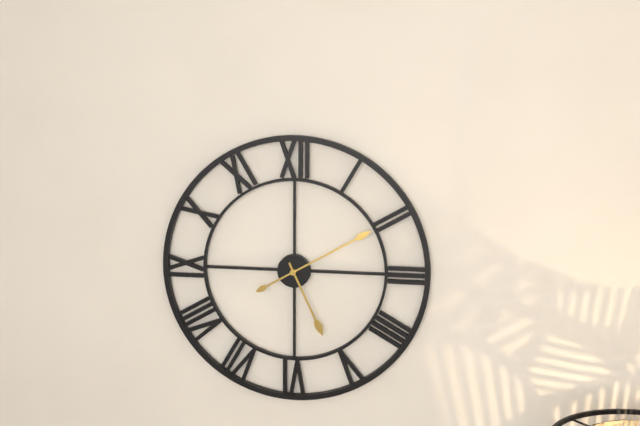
5:10
